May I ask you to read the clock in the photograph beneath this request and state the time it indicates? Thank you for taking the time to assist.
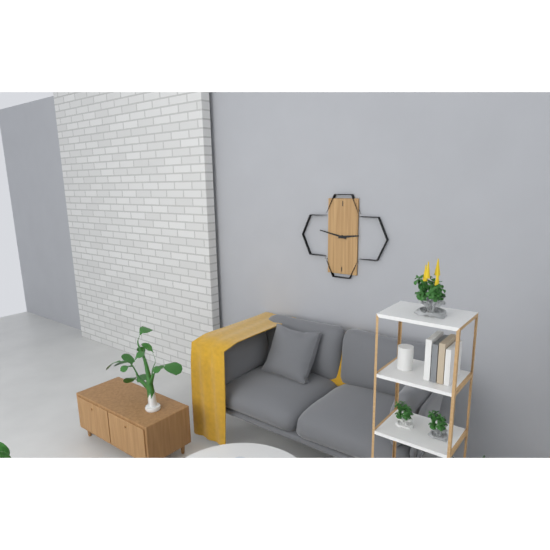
2:47
